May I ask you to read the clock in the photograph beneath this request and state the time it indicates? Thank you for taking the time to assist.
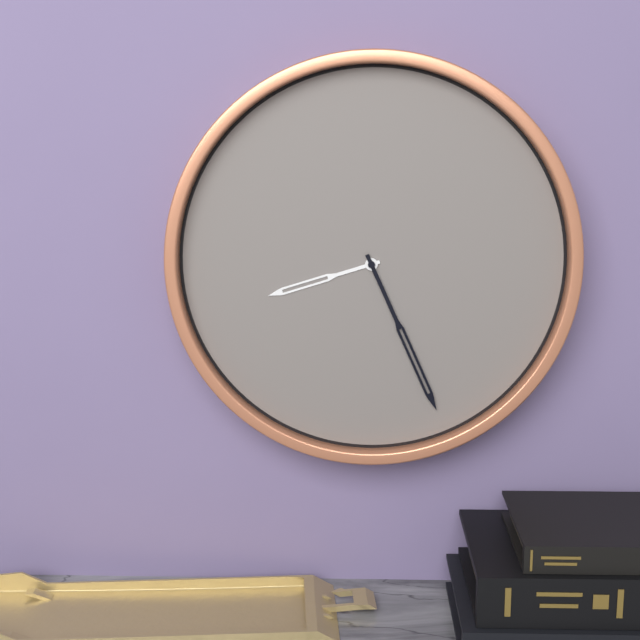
8:26
